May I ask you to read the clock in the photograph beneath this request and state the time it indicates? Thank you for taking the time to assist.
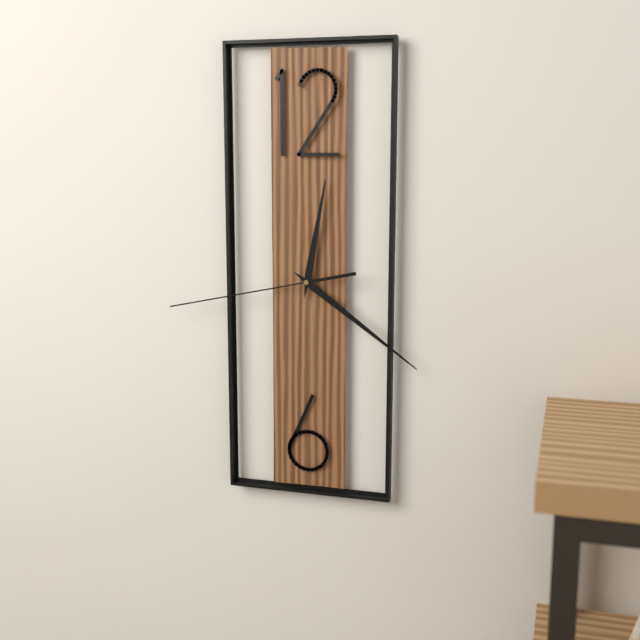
12:21:43
